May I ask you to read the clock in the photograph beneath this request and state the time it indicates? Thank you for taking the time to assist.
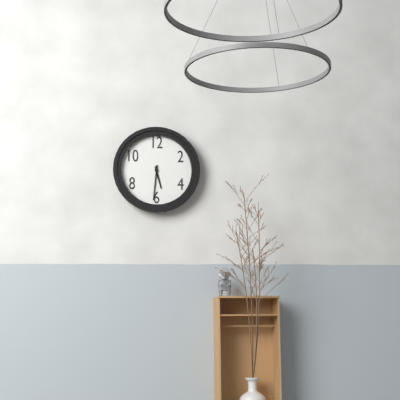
5:31
